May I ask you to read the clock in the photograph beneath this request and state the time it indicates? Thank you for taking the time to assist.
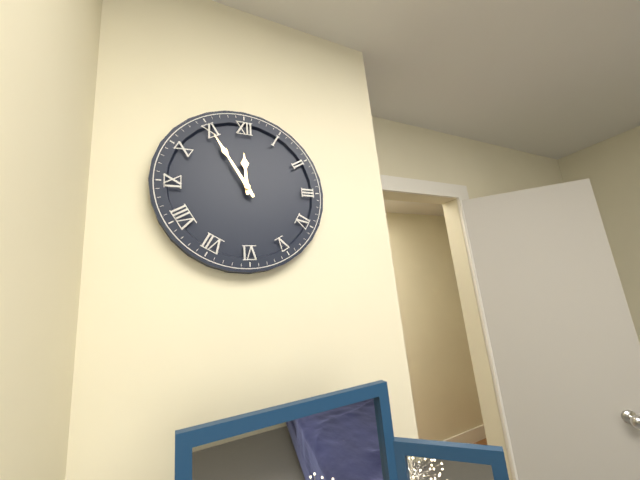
11:55
